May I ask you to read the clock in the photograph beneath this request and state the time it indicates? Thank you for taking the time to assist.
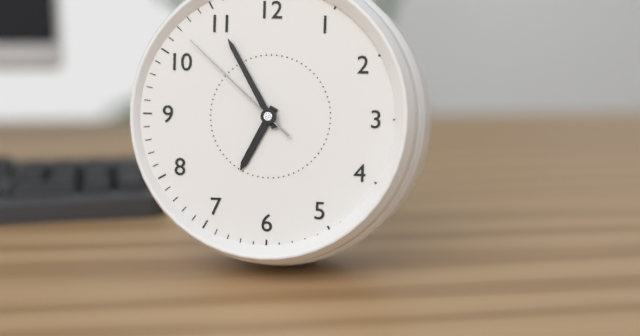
6:55:52
